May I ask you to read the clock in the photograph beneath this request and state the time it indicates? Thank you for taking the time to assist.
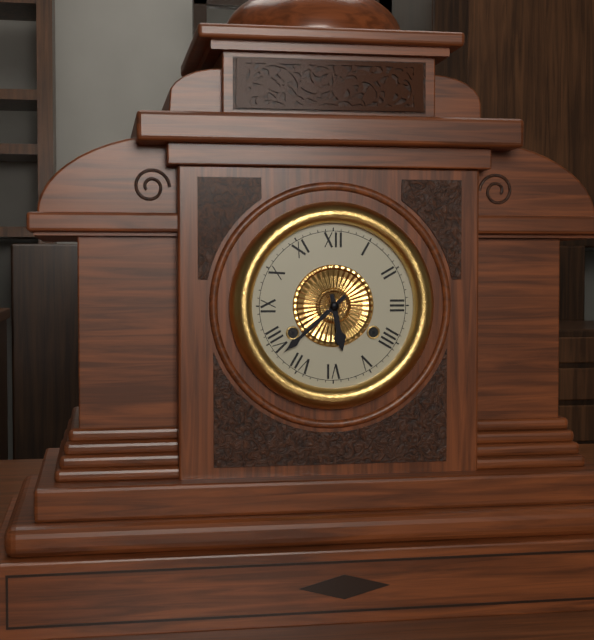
5:38
